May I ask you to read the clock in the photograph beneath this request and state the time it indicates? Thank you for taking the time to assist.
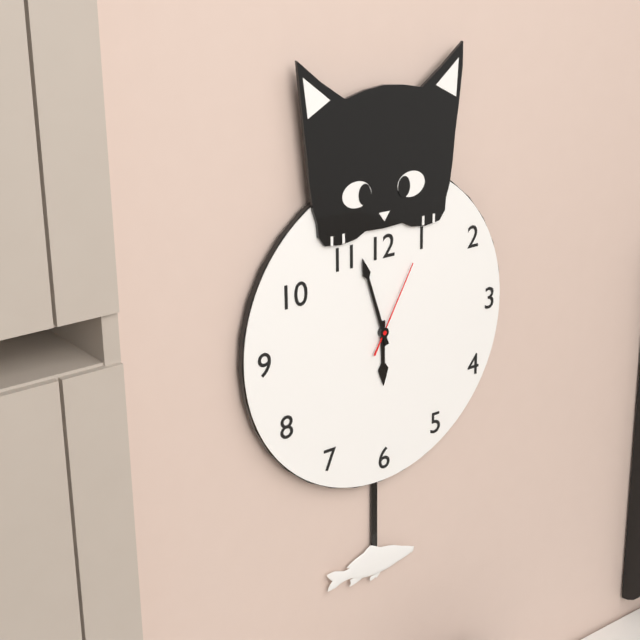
5:57:05
